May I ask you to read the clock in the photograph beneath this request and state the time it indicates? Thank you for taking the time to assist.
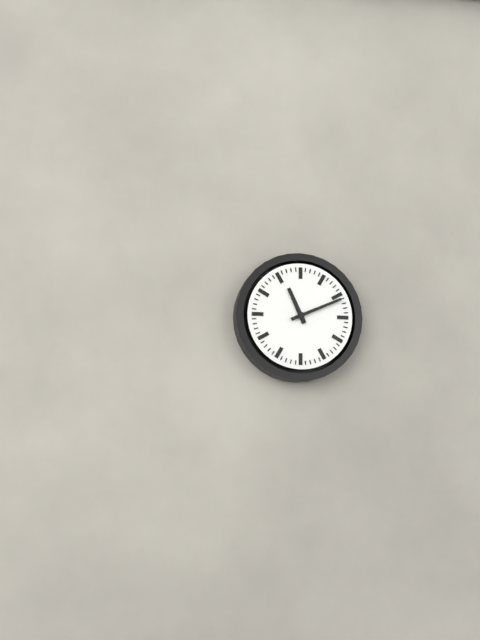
11:11
